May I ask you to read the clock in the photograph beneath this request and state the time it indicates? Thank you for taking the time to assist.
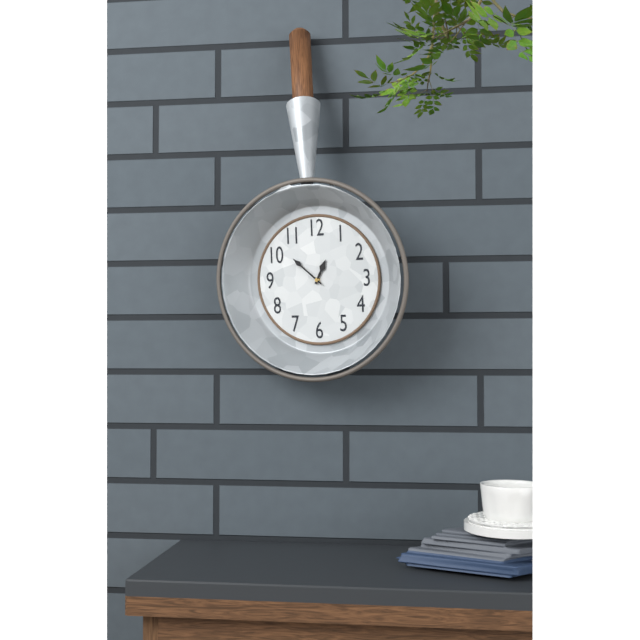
12:52
